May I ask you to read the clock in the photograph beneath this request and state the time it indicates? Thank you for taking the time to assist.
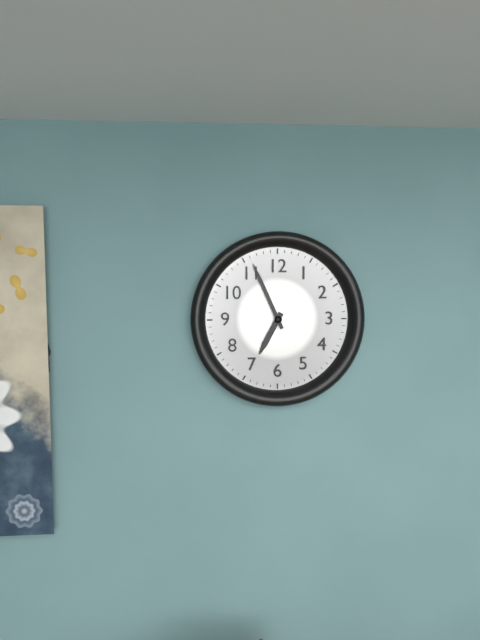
6:56
